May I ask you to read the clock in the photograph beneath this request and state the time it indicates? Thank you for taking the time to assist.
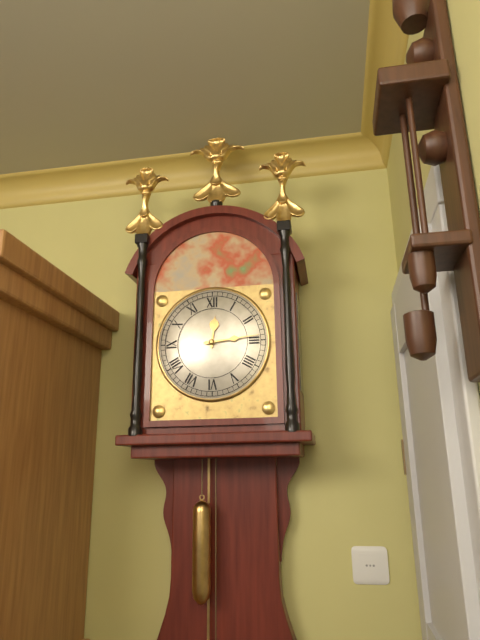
12:14
